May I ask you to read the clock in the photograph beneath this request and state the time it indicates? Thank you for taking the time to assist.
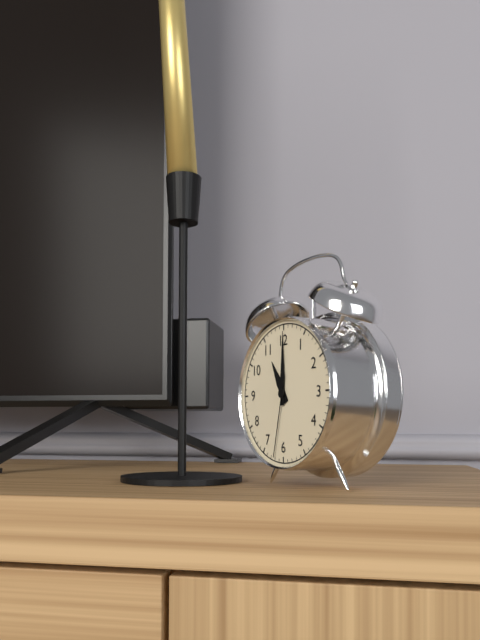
11:00:32
